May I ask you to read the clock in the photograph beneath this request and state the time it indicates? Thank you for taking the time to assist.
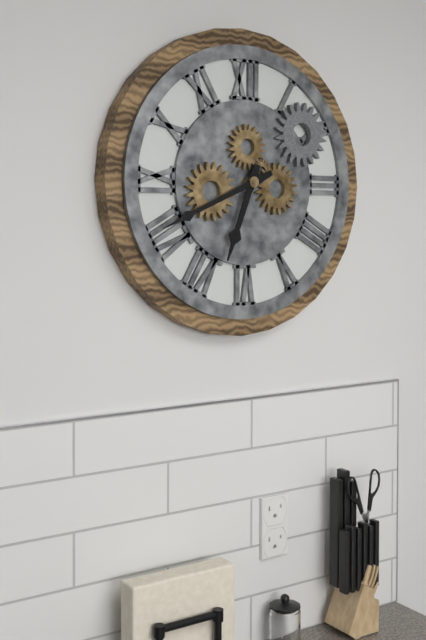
6:41
